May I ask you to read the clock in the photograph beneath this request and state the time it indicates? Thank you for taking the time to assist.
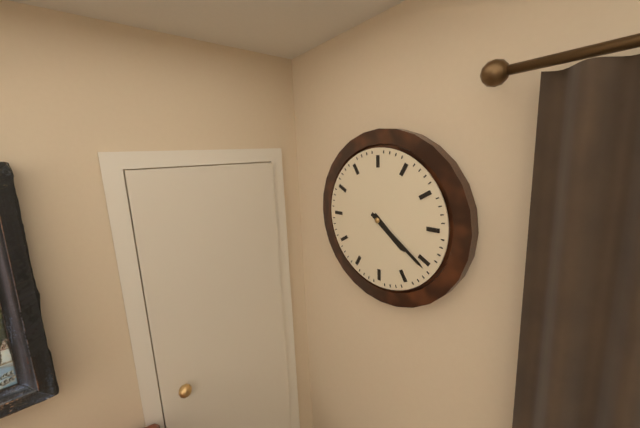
4:21
